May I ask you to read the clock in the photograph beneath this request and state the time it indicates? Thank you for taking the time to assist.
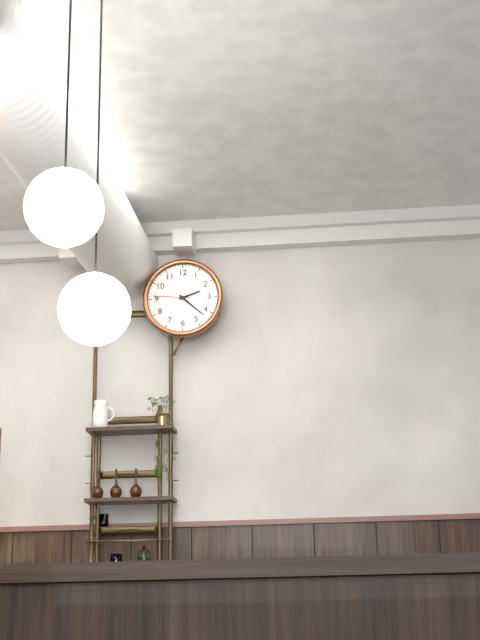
2:22
